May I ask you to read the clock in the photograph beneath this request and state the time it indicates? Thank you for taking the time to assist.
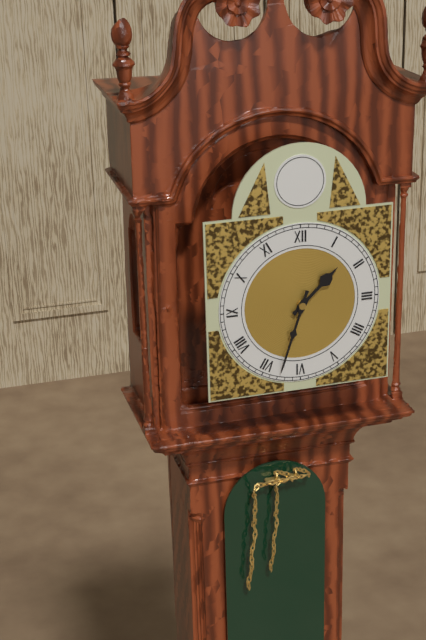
1:33
